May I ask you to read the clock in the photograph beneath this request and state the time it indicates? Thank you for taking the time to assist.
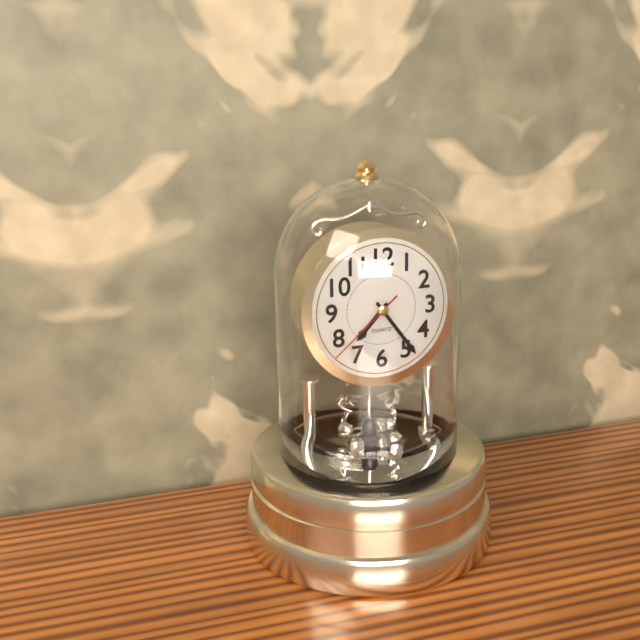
7:24:38
